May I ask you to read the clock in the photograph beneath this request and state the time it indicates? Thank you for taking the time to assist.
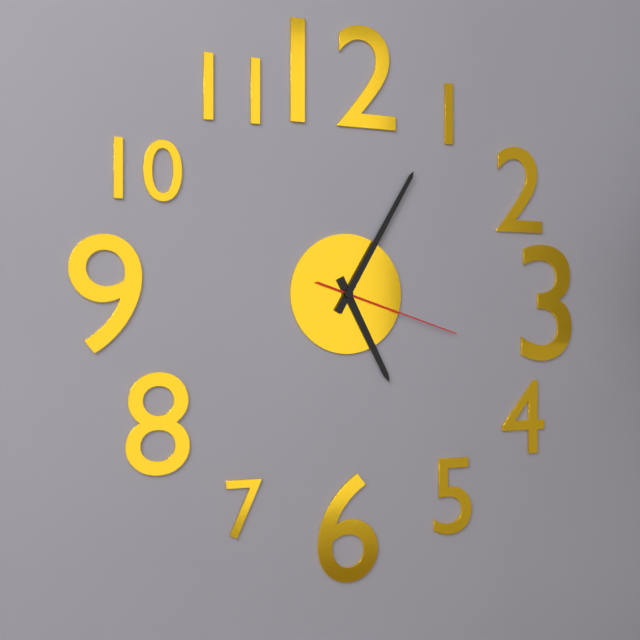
5:05:18
